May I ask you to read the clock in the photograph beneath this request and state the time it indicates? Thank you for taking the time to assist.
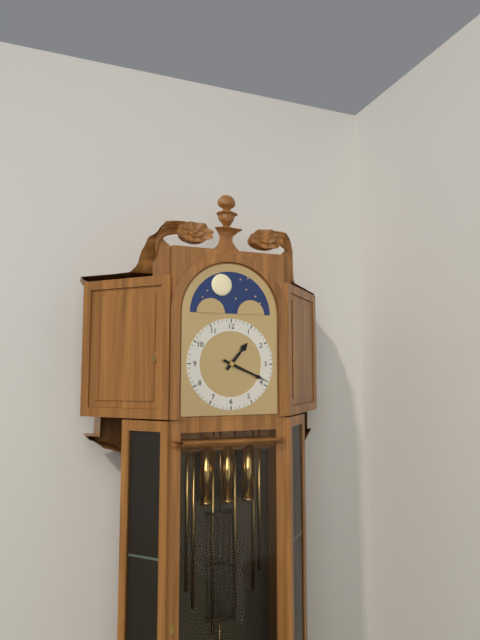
1:19
